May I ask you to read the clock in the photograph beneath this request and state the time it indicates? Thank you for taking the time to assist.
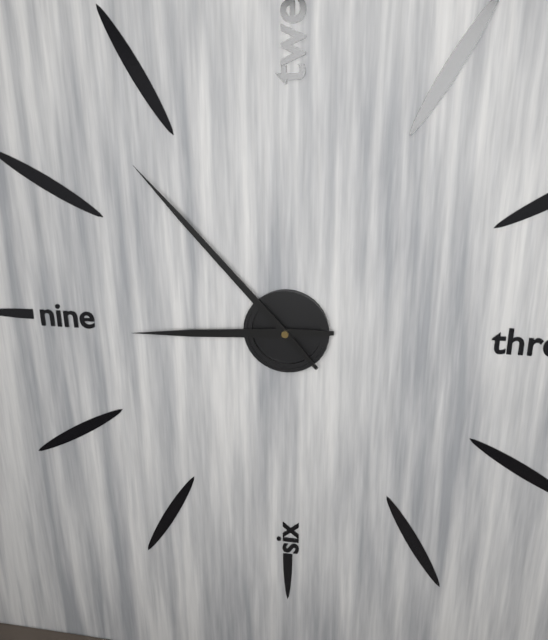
8:53
